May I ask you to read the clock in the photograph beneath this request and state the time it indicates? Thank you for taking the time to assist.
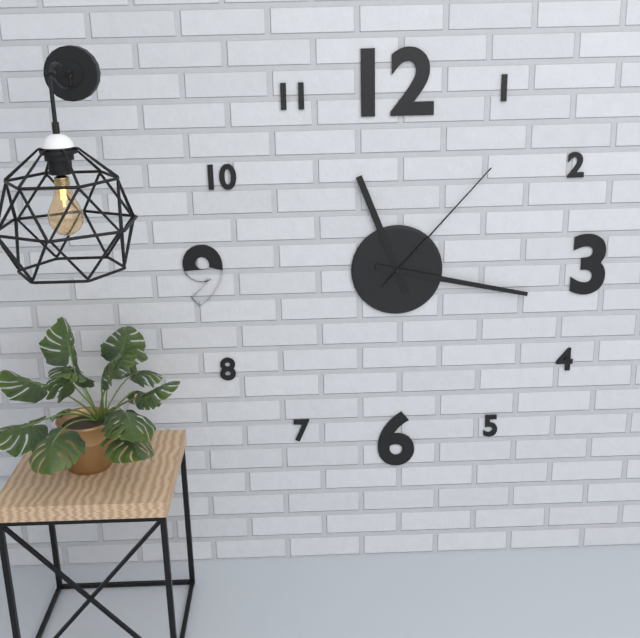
11:17:07
